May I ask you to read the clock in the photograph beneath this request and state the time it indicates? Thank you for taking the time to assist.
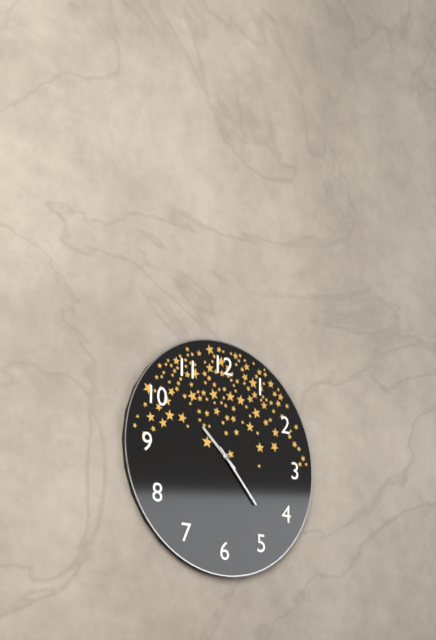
10:23
